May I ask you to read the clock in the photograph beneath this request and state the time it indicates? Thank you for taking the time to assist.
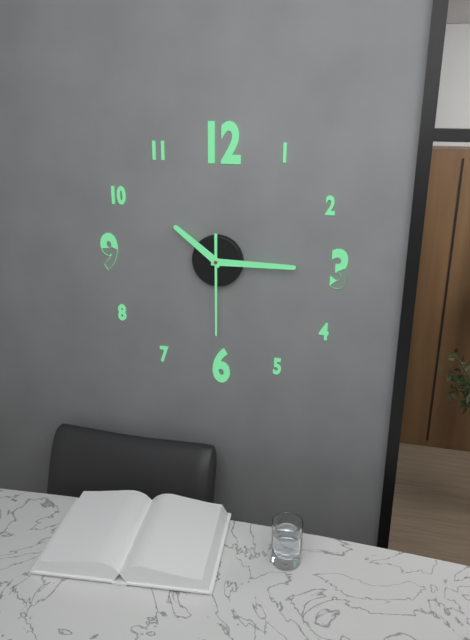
10:15:30
